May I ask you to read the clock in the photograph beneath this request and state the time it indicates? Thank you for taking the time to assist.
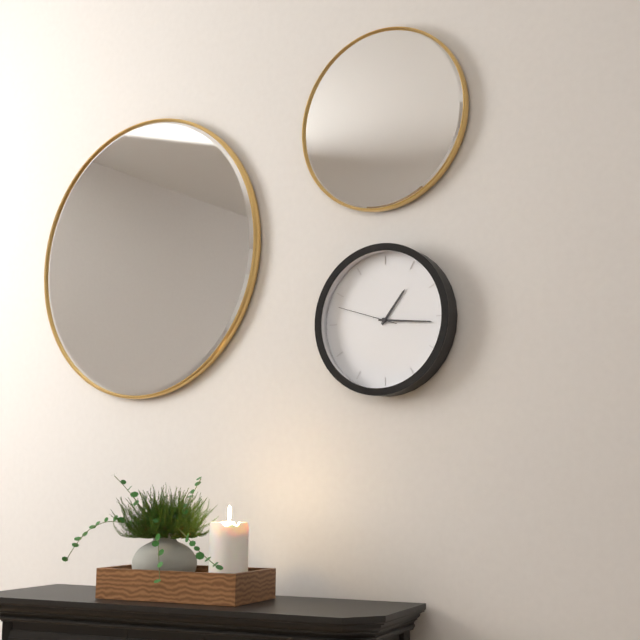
1:16:48
